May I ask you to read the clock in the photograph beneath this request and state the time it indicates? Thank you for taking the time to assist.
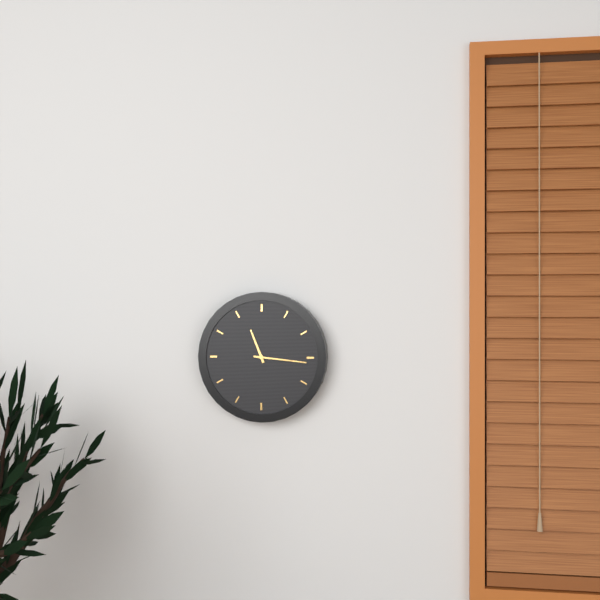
11:16
